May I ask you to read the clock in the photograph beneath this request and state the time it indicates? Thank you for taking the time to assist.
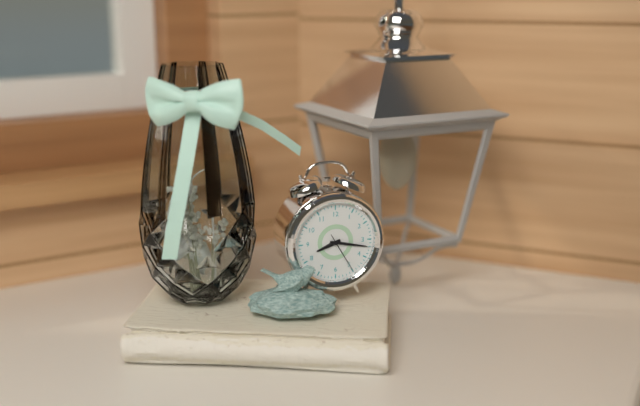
8:17
